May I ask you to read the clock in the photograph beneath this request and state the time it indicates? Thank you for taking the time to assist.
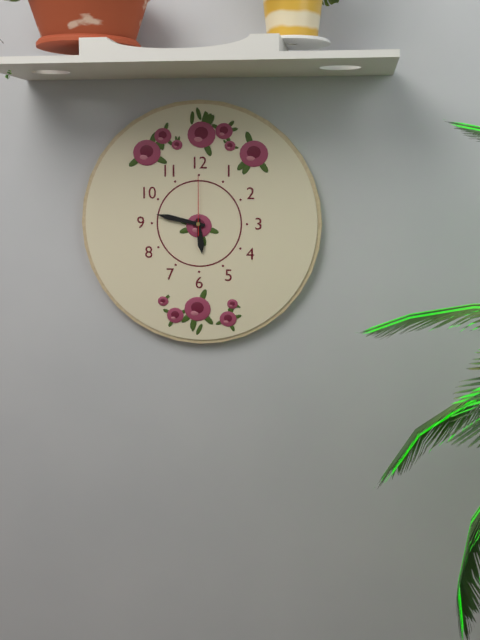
5:47:00
